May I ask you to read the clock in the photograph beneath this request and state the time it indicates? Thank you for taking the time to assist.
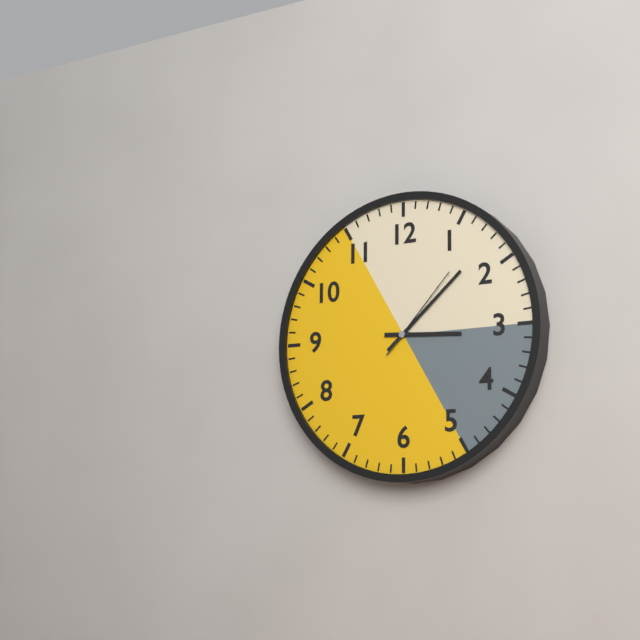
3:08:07
